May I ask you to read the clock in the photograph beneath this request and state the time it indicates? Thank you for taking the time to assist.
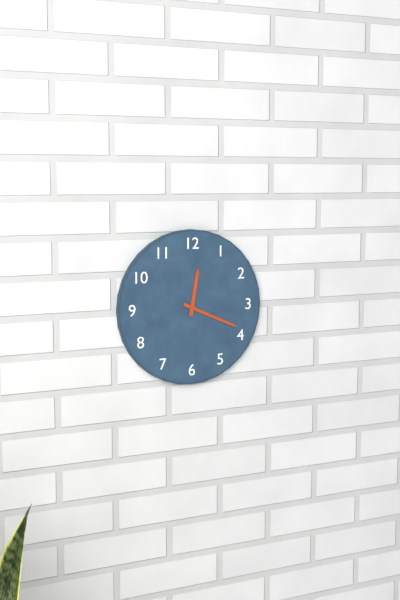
12:19
